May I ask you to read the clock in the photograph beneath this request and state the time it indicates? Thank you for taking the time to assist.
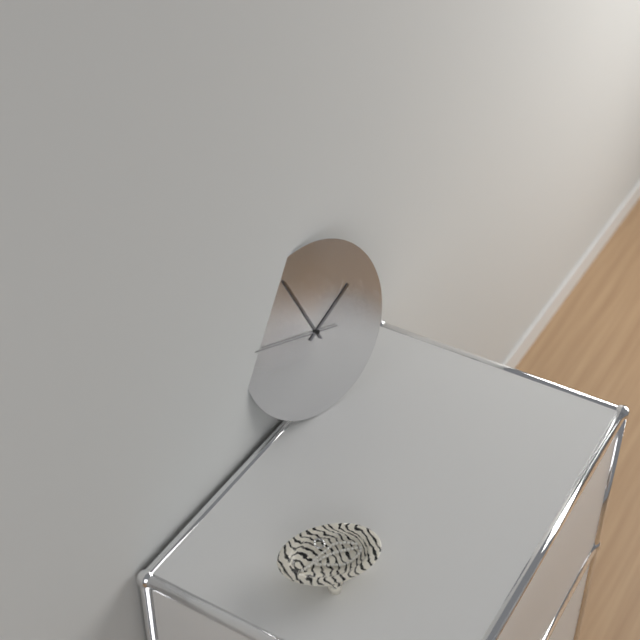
1:56:47
